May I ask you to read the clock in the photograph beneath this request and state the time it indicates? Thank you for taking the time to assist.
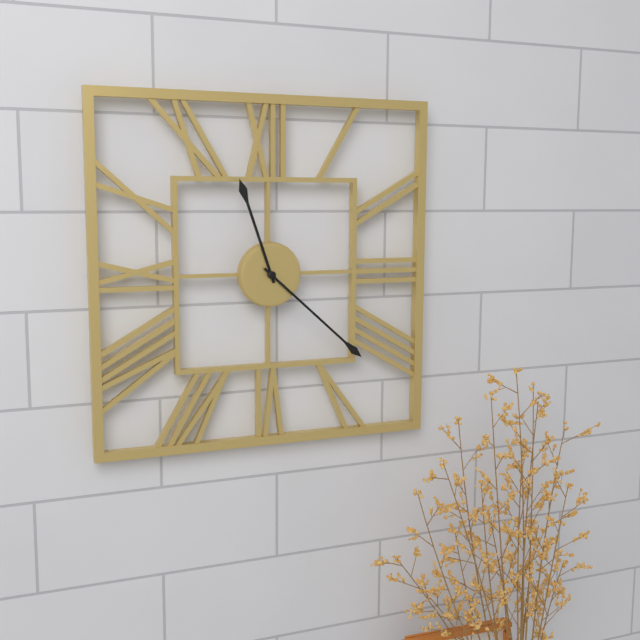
11:22
